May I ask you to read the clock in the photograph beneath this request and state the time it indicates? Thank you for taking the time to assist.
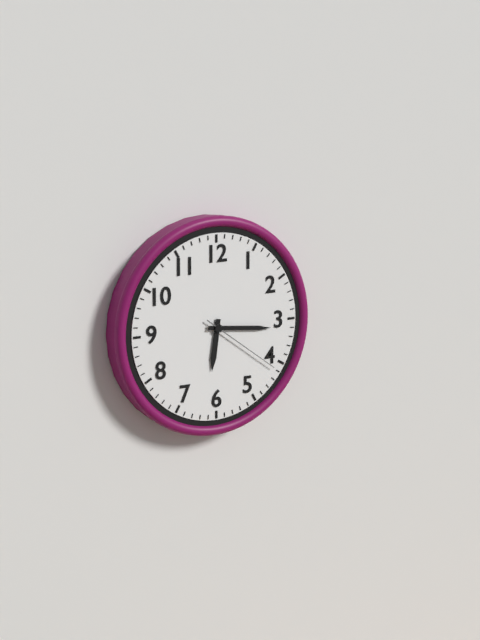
6:16:21
